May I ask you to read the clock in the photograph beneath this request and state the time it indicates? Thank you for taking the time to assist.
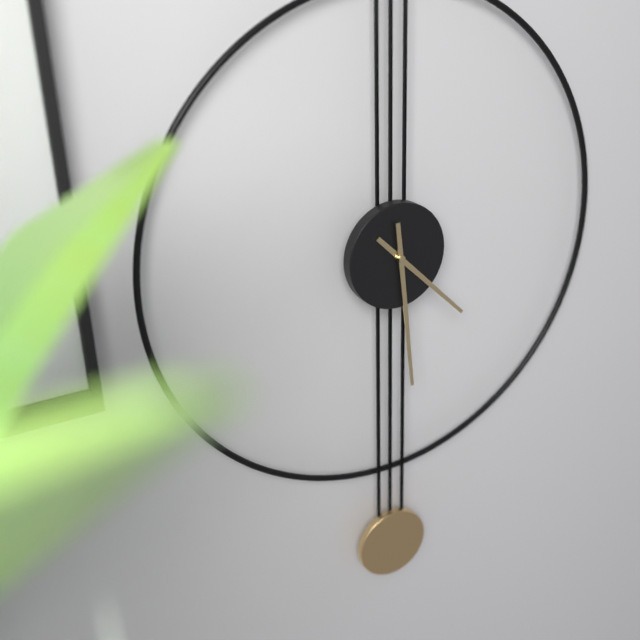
4:29
